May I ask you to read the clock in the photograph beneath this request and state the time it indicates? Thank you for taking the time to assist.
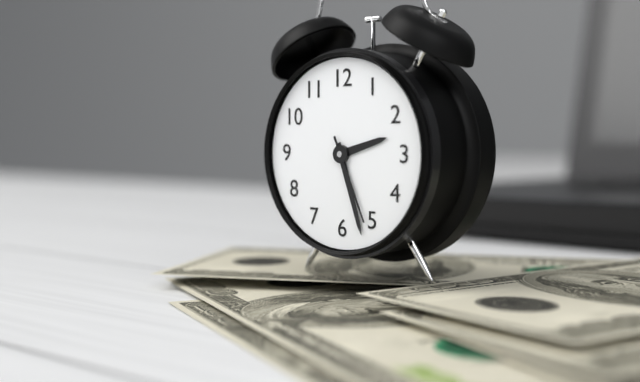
2:27:26
